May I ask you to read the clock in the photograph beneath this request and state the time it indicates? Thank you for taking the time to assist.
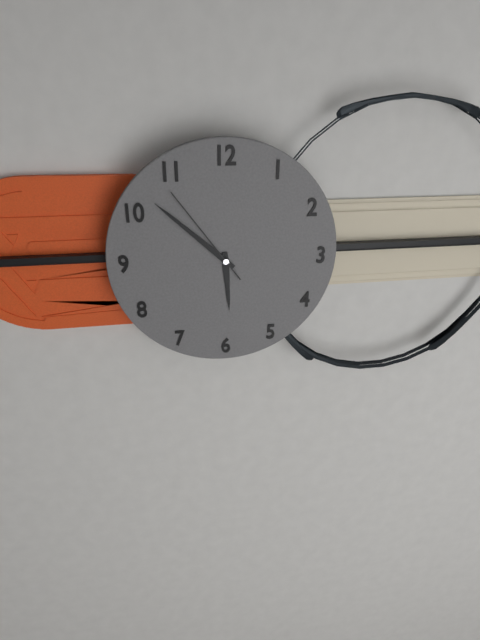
5:52:54
